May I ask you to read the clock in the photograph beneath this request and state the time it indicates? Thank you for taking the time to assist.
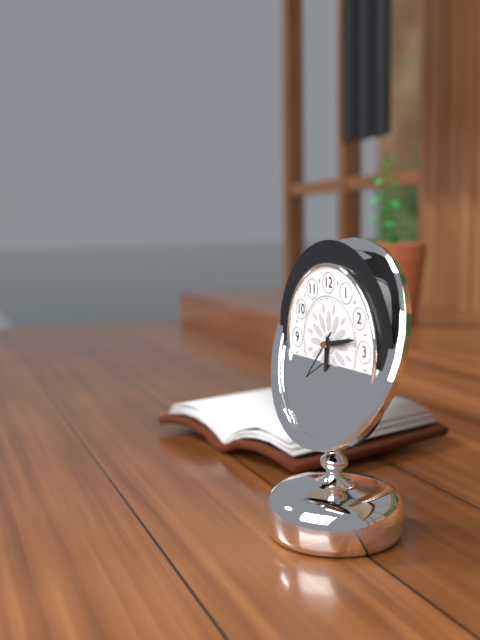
6:13:37
